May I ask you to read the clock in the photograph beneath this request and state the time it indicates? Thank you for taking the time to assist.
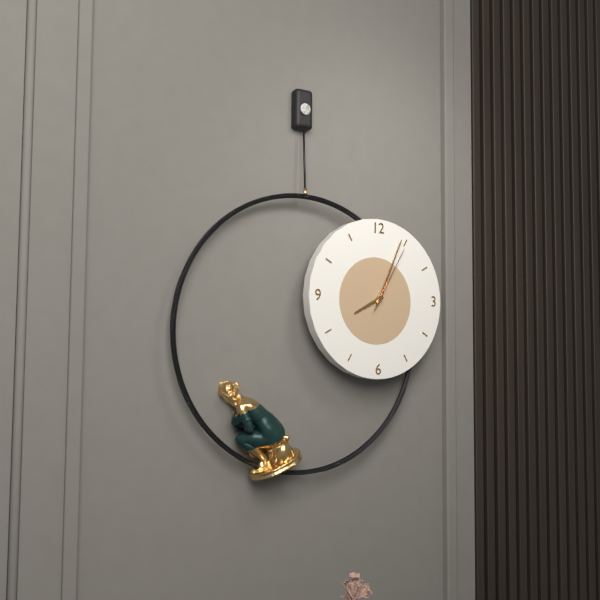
8:04:05
